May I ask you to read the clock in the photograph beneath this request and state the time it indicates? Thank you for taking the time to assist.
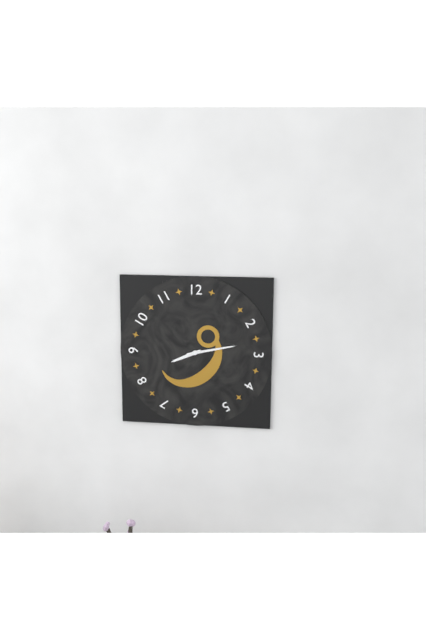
8:13
